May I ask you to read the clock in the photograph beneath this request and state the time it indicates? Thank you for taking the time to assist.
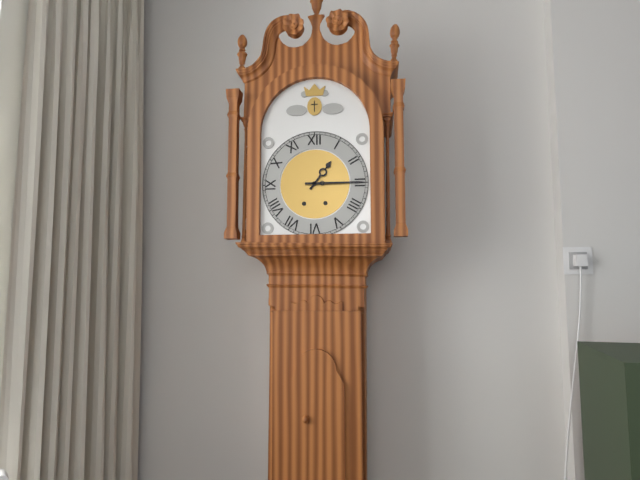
1:15
